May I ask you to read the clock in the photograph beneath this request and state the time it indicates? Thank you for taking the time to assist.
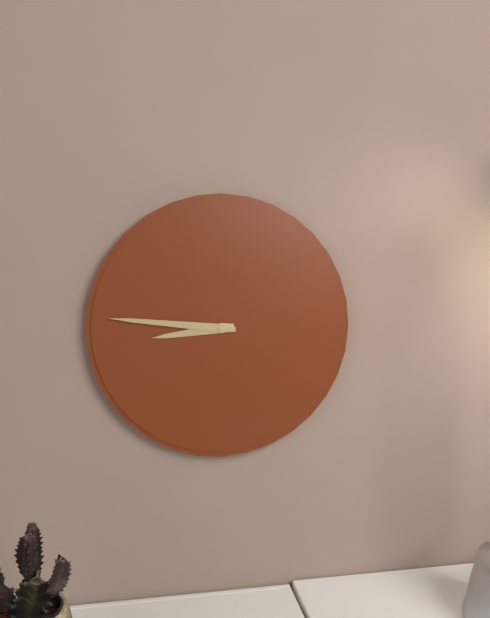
8:46
